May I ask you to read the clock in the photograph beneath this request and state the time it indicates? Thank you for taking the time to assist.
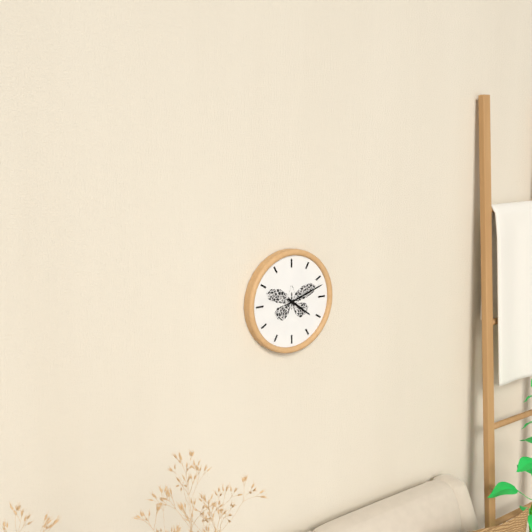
4:12
